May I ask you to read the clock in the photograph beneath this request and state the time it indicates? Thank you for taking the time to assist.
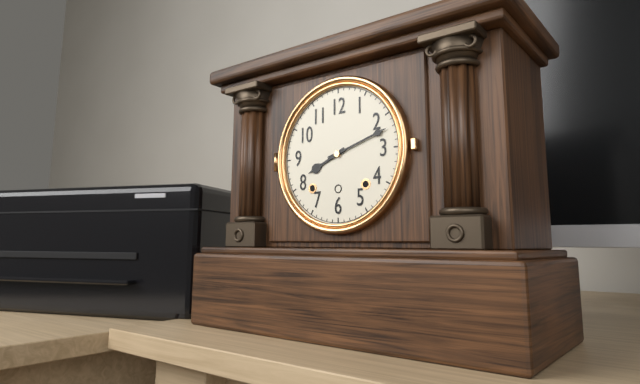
8:12
